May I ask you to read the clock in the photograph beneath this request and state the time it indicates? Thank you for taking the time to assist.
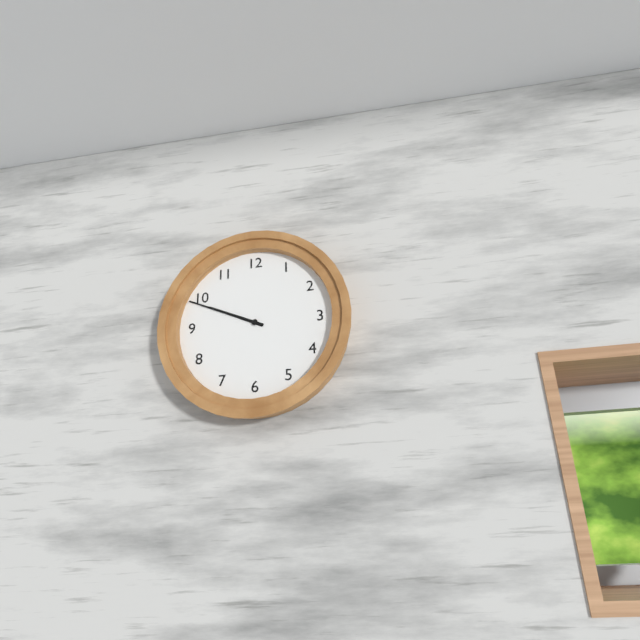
9:49
